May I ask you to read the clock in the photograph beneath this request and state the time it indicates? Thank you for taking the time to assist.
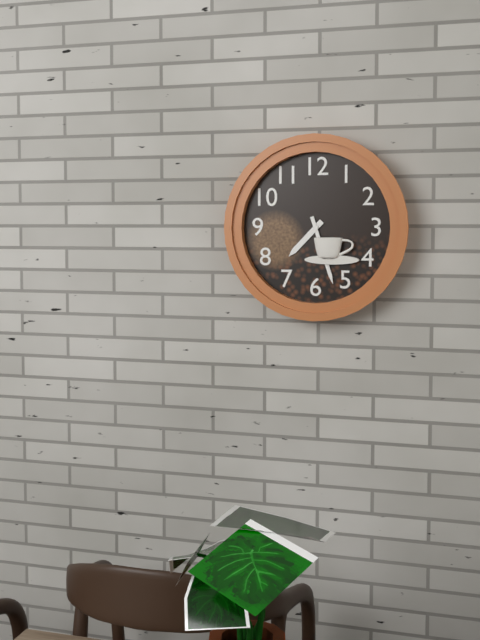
7:27
